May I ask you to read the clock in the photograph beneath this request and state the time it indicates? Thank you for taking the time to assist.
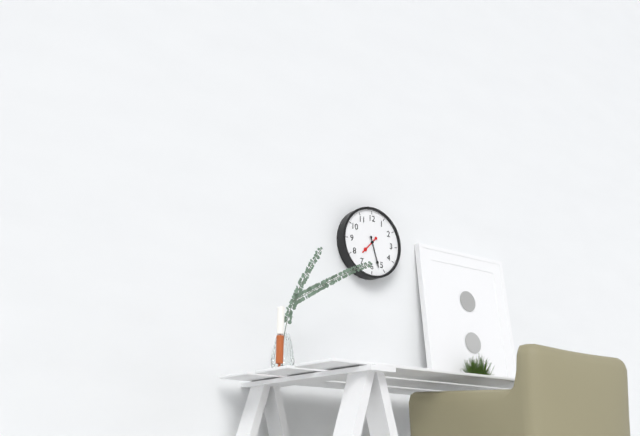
7:27
